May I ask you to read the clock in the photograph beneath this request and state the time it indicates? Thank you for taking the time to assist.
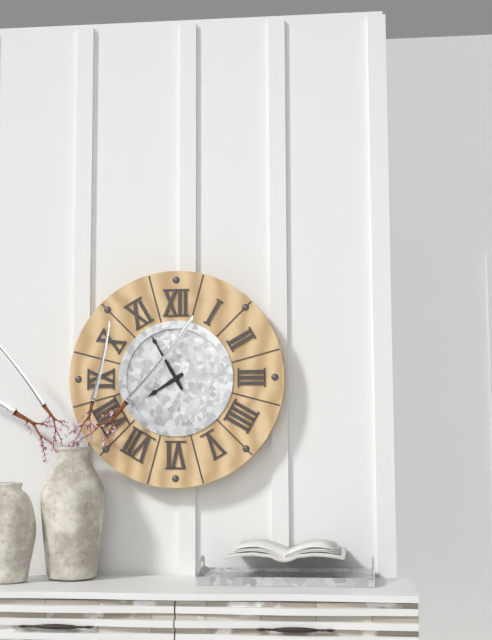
7:55
